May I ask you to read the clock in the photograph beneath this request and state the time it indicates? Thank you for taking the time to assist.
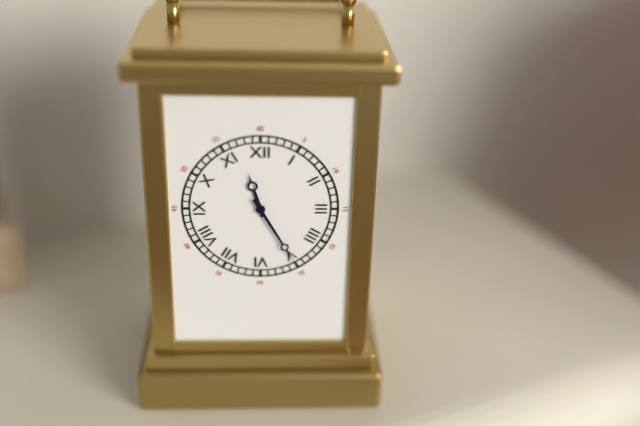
11:25
